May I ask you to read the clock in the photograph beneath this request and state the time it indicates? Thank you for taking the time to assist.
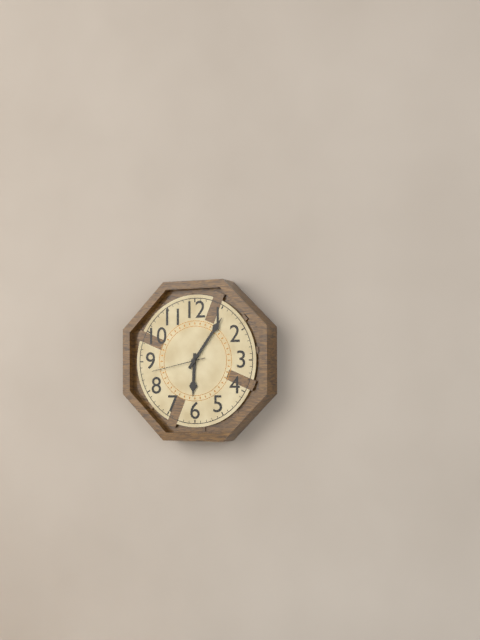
6:06:43
